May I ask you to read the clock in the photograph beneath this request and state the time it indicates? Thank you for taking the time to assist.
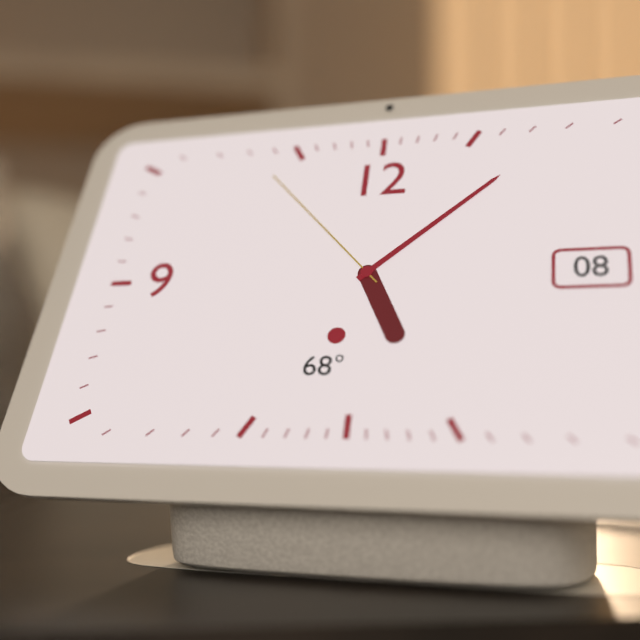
5:08:53
